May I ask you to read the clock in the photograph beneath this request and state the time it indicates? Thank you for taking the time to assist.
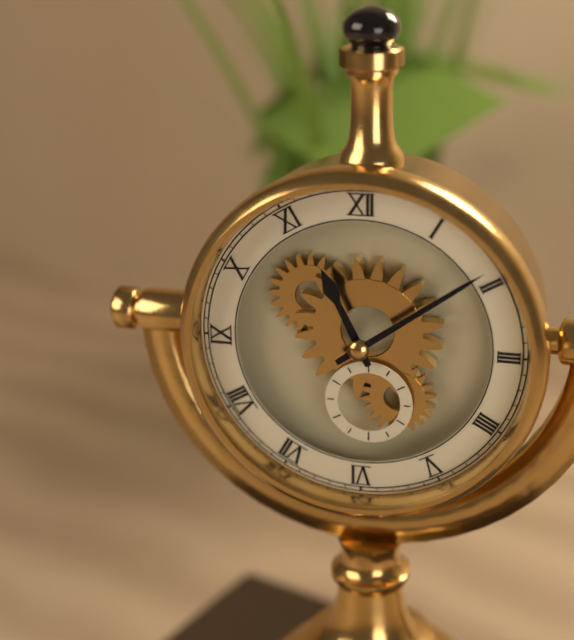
11:09
